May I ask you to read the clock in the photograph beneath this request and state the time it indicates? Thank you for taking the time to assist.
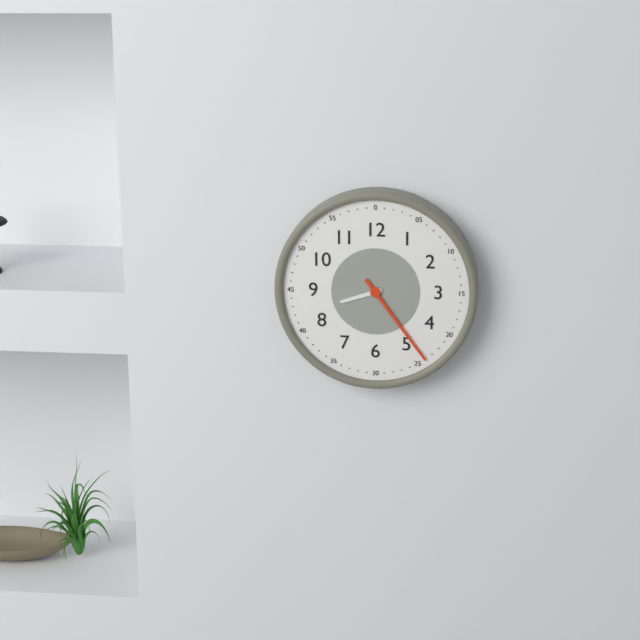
8:24
